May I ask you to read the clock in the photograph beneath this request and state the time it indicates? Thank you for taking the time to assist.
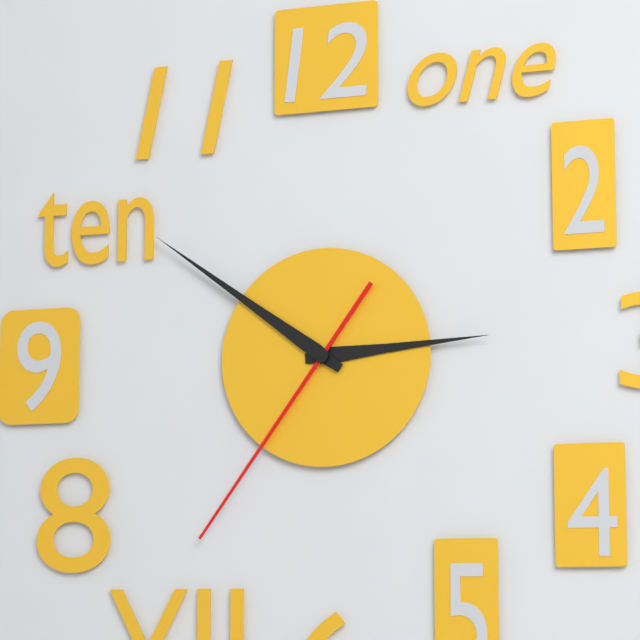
2:51:36
